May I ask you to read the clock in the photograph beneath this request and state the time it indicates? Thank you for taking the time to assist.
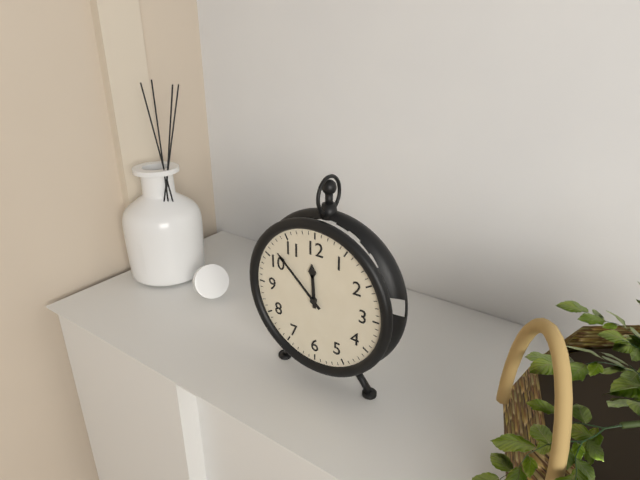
11:52
